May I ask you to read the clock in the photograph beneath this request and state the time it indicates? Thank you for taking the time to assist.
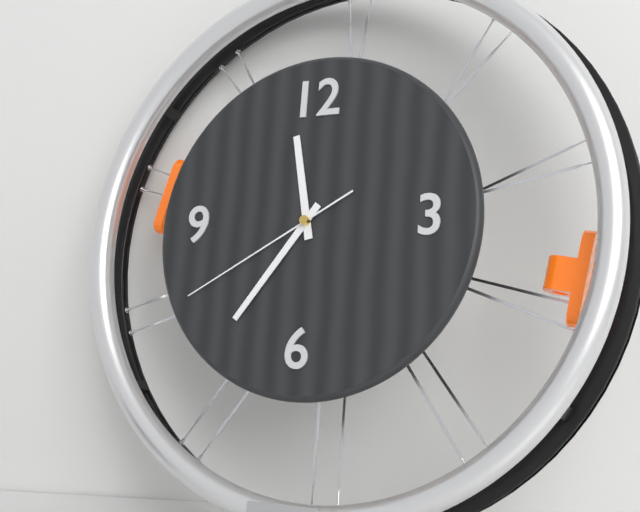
11:36:40
